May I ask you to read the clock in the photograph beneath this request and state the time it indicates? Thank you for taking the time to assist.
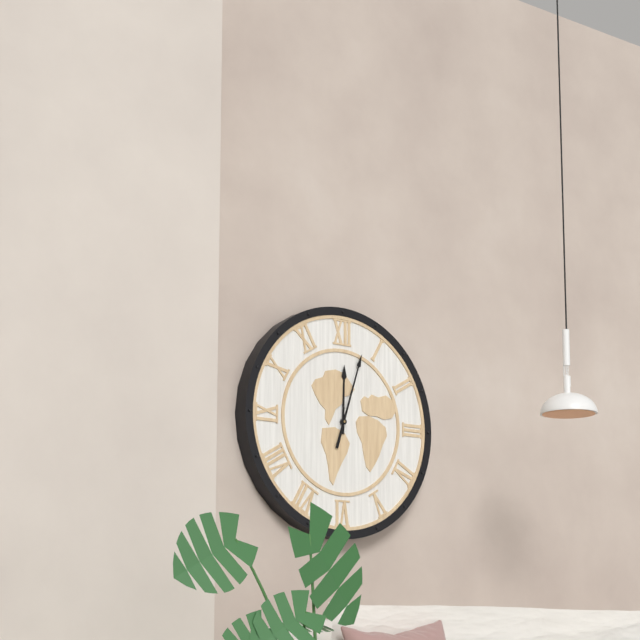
12:03
